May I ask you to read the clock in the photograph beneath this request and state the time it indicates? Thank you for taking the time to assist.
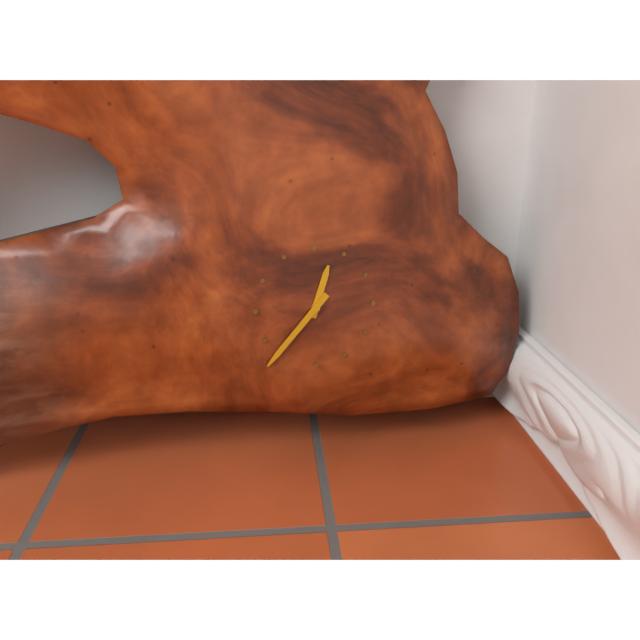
12:37
